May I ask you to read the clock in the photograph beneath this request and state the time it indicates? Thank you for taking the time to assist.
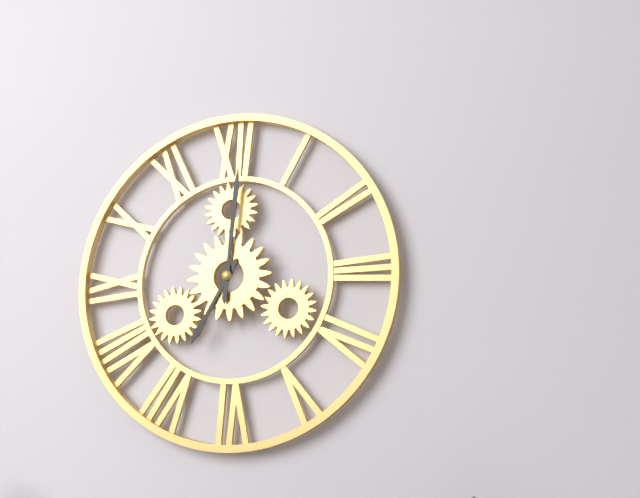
7:01
